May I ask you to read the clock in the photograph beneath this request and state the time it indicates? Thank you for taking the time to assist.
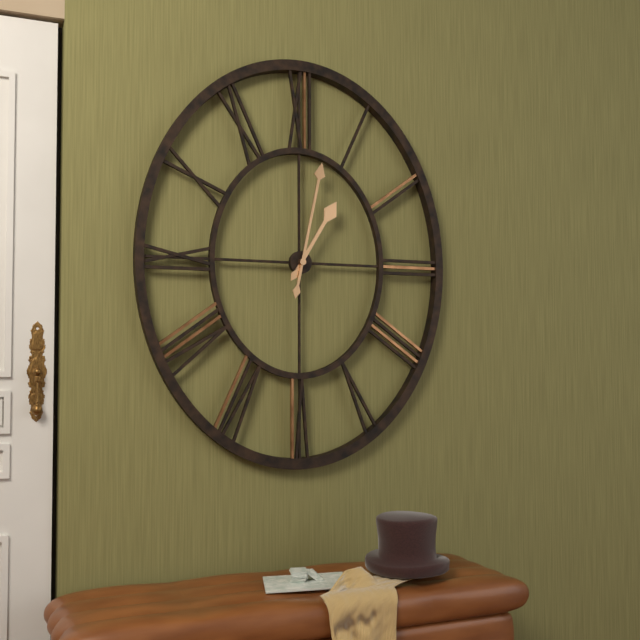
1:02
